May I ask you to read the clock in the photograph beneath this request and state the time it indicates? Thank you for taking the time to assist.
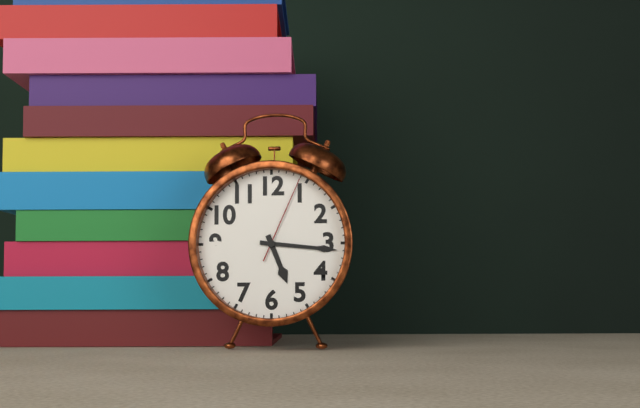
5:16:04
